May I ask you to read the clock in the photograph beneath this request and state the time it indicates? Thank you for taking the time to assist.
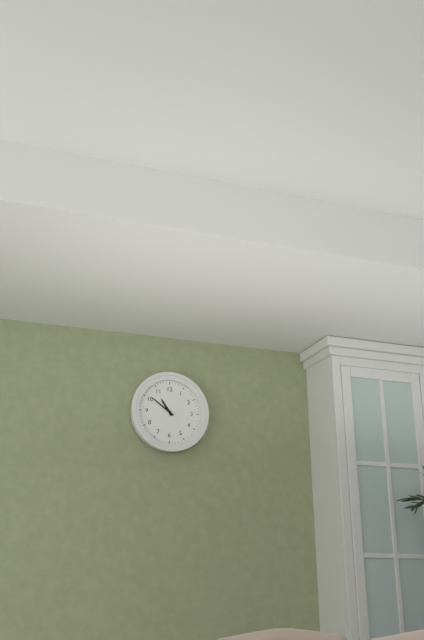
10:51
